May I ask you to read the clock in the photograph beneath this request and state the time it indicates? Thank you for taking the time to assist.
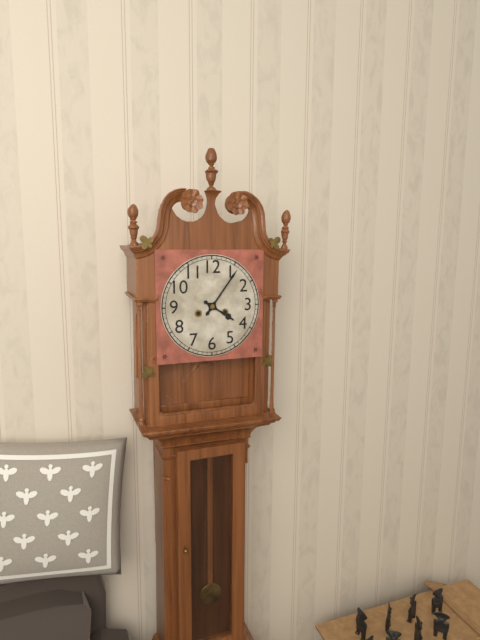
4:06
